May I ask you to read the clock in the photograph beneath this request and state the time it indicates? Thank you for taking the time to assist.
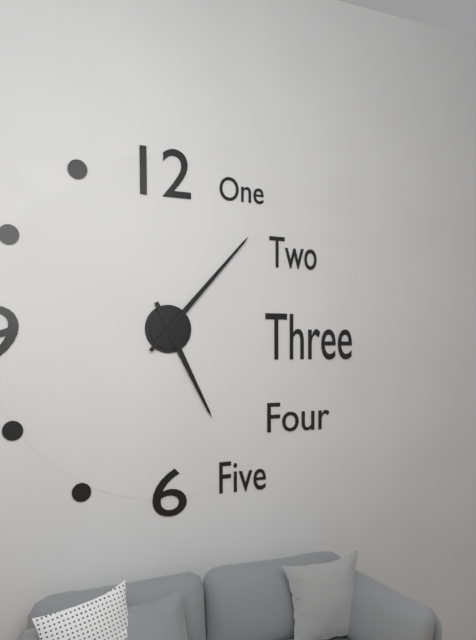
5:07
